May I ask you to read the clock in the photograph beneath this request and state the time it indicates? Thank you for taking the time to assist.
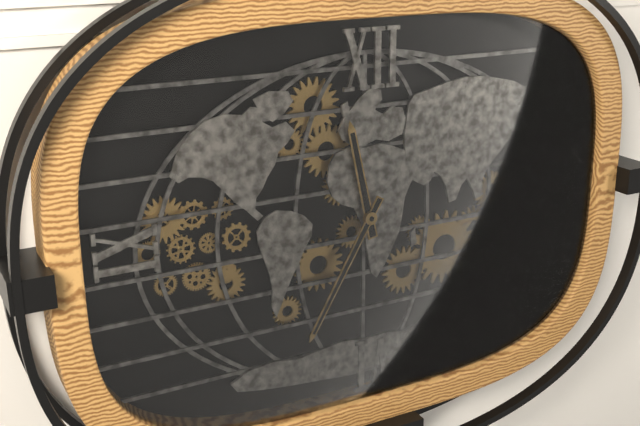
11:35
